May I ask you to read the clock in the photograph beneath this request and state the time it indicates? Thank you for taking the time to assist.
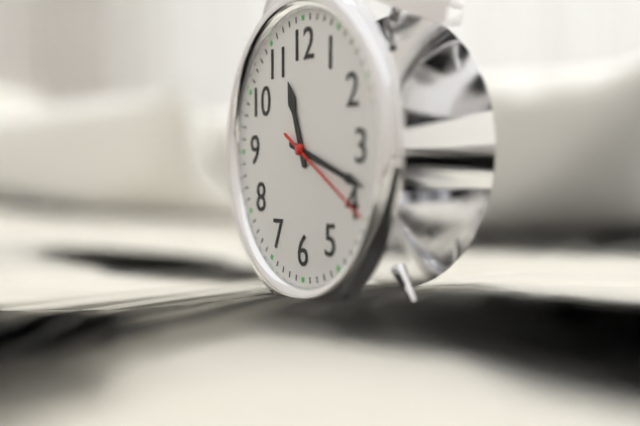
11:18:20
